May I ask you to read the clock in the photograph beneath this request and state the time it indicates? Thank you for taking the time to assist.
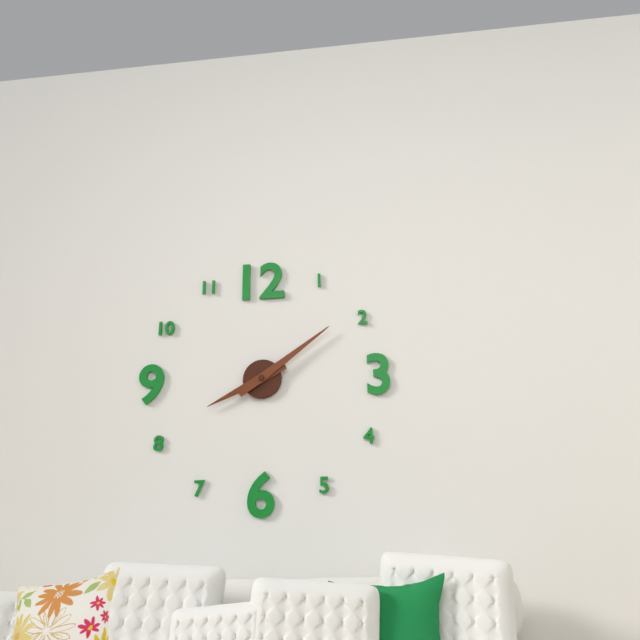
8:09
